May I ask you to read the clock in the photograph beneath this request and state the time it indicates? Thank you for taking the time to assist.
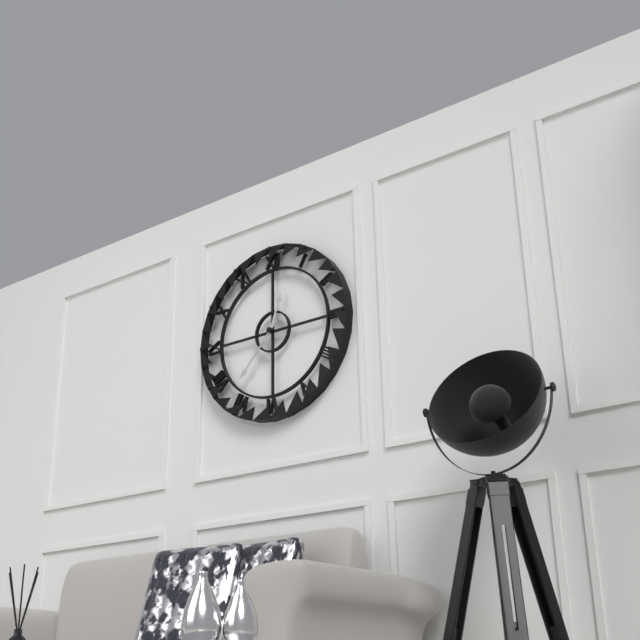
12:37
